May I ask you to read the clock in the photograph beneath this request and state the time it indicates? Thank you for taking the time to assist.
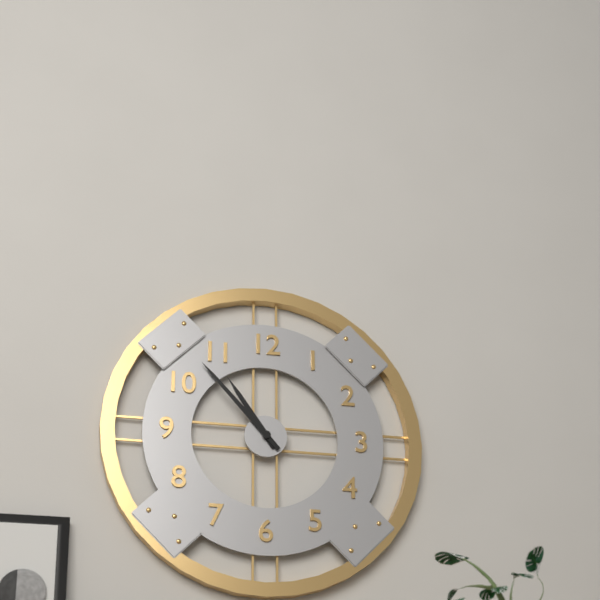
10:53
